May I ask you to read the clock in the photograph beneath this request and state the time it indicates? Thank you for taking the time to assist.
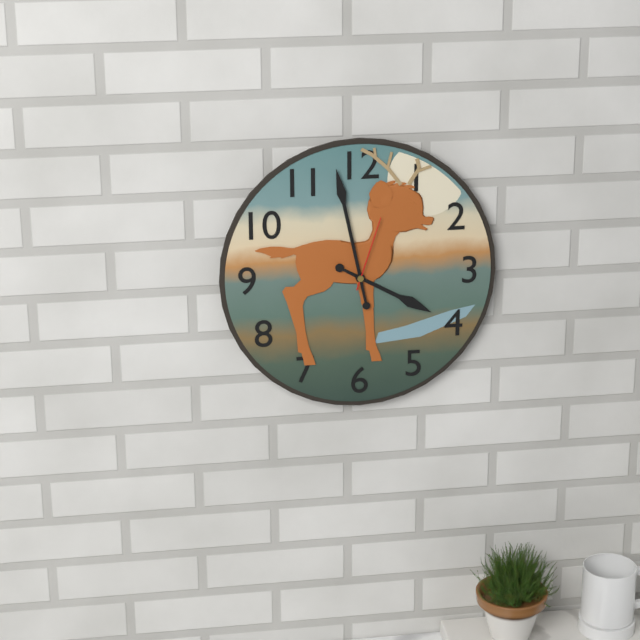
3:58:03
